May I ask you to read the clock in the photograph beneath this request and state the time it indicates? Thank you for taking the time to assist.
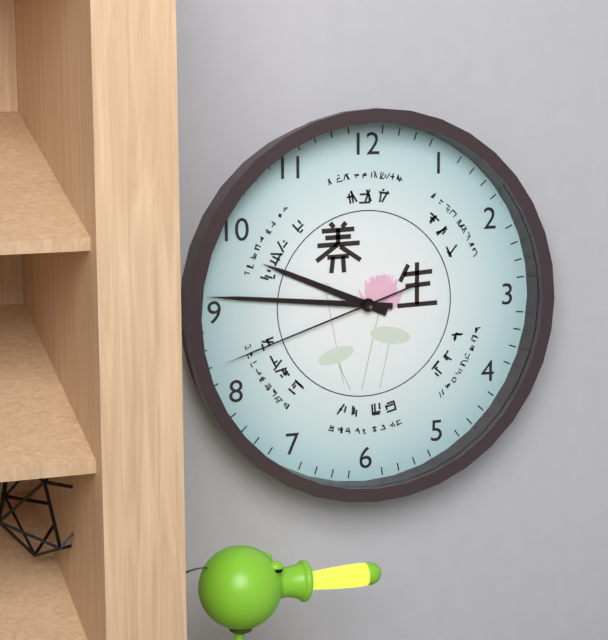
9:46:42
